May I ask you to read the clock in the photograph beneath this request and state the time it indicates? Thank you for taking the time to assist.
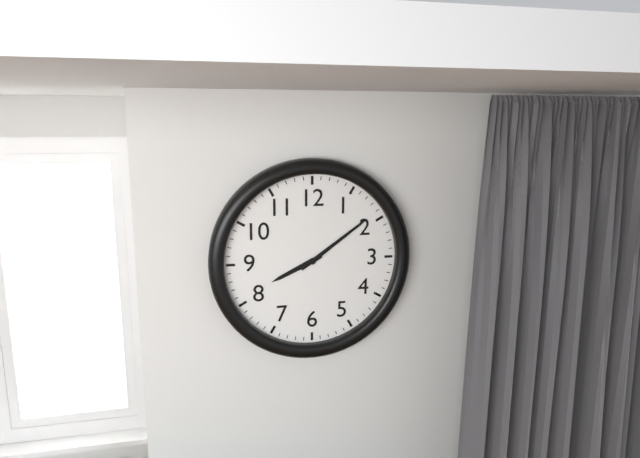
8:09
